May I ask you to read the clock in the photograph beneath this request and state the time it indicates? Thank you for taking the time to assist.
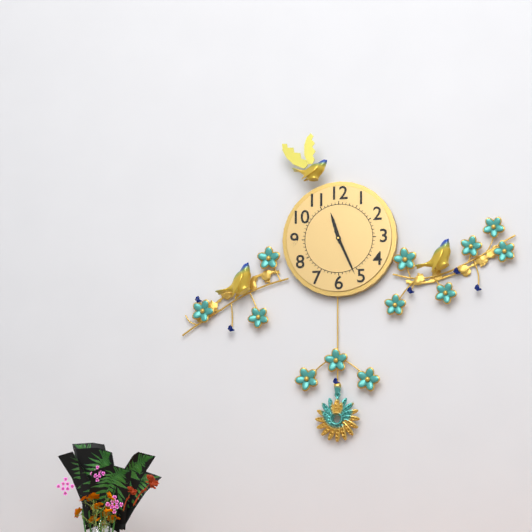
11:26
